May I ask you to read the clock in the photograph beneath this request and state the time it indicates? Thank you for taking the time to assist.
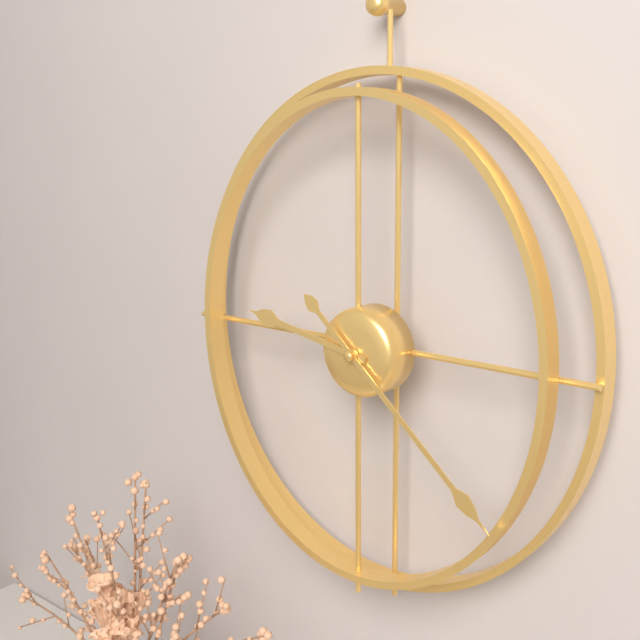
9:22
